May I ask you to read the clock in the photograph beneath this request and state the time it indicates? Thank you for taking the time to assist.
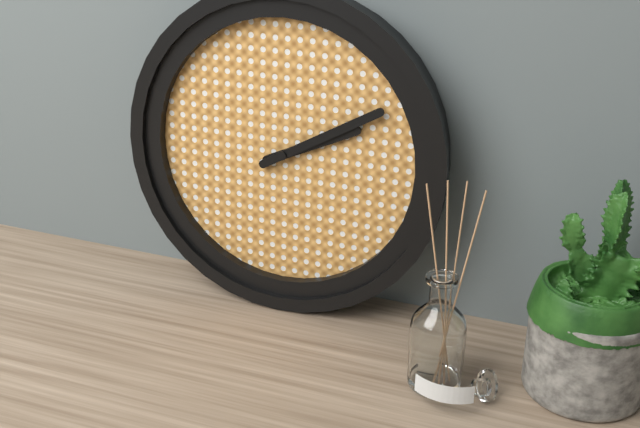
2:10
